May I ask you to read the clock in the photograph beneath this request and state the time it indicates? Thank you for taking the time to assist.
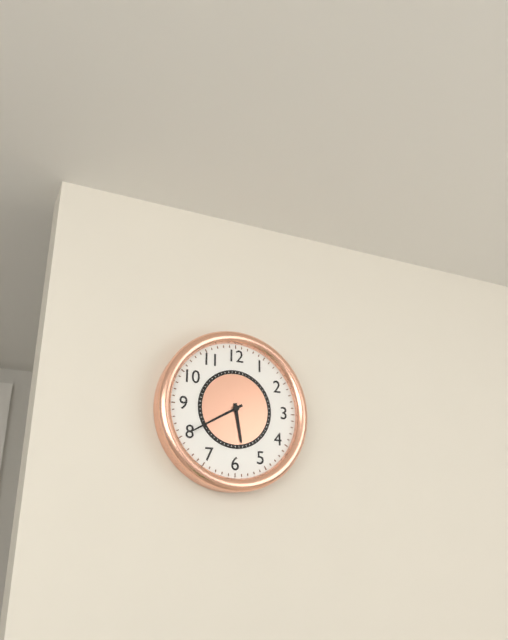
5:40
